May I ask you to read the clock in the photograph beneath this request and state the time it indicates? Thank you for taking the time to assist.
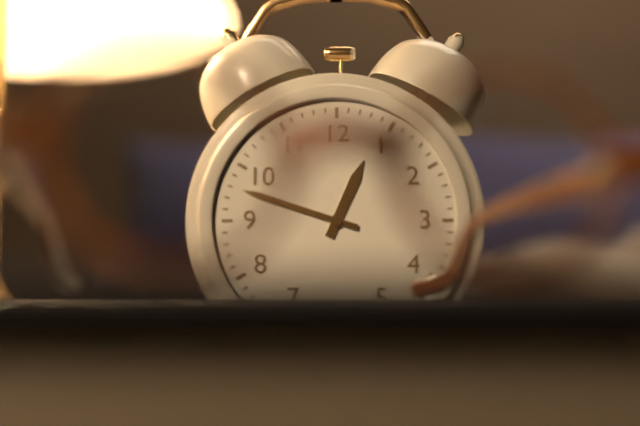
12:48
